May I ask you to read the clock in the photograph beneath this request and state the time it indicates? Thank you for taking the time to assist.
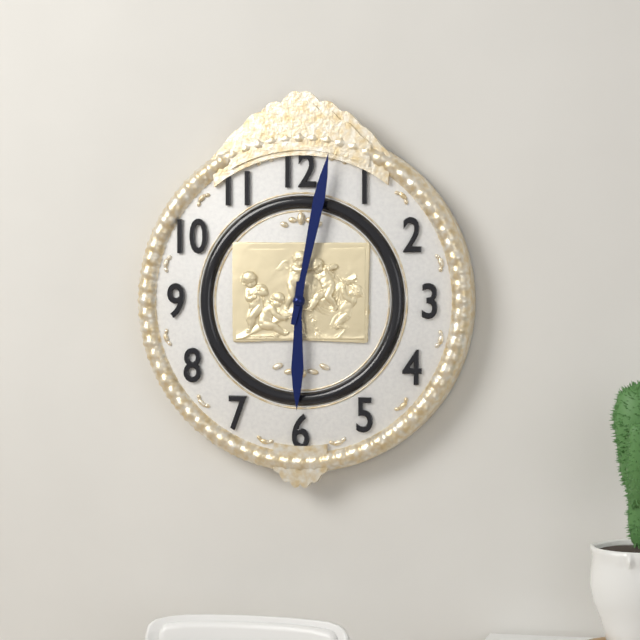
6:02
